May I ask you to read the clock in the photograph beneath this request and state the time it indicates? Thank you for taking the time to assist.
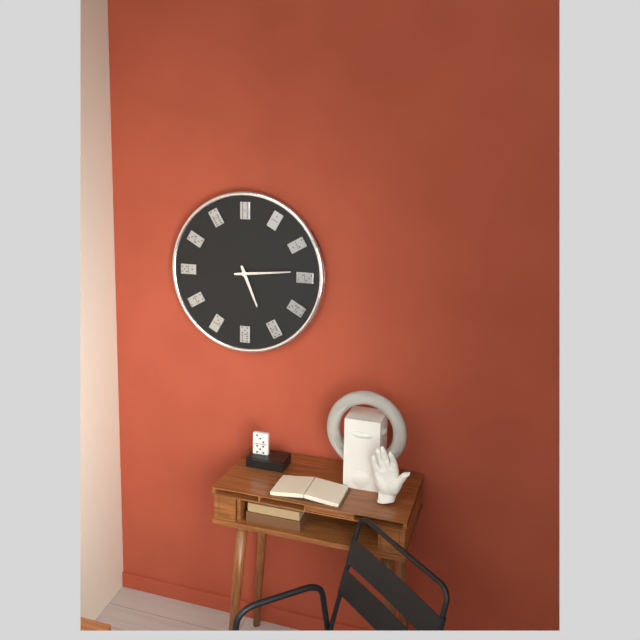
5:14
